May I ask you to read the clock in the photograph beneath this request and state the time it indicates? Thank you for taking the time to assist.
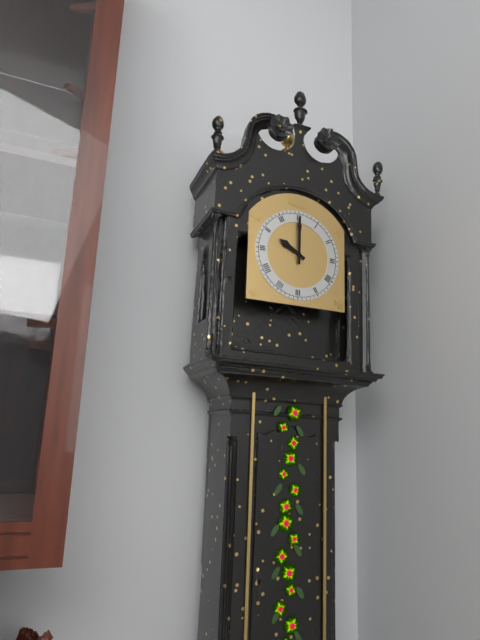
10:00
